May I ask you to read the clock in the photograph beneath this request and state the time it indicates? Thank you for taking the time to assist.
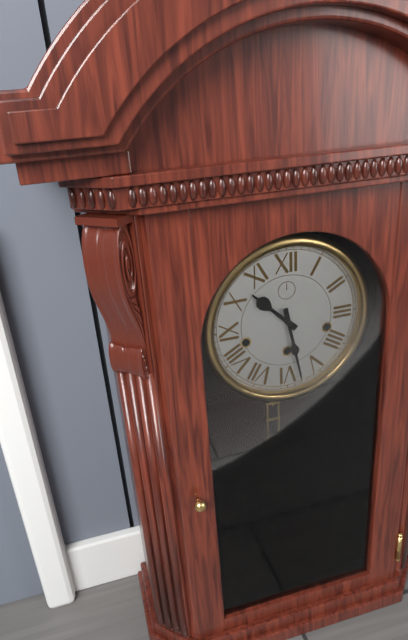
10:28
